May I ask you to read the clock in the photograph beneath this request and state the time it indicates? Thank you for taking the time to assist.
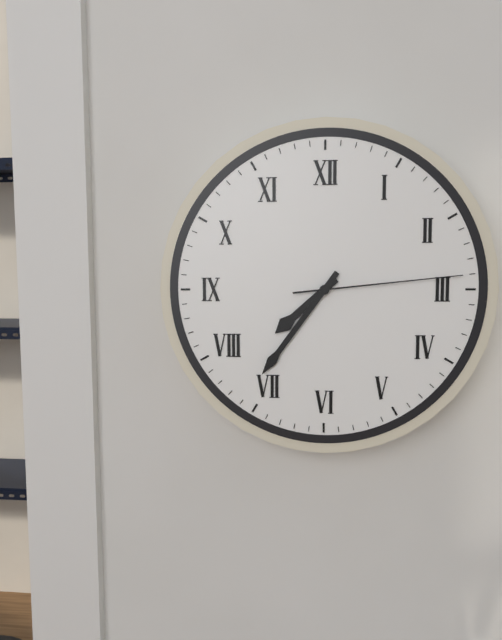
7:36:14
